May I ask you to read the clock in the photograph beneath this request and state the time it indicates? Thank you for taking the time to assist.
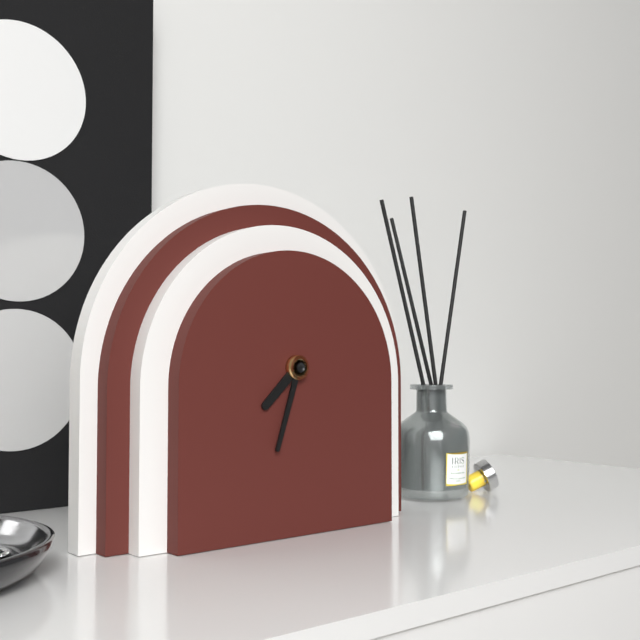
7:33
